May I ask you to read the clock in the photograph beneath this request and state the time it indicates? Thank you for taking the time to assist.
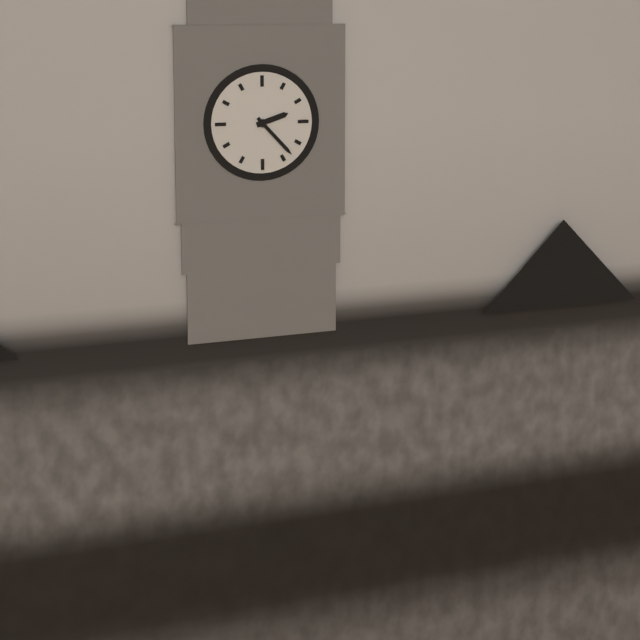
2:23
